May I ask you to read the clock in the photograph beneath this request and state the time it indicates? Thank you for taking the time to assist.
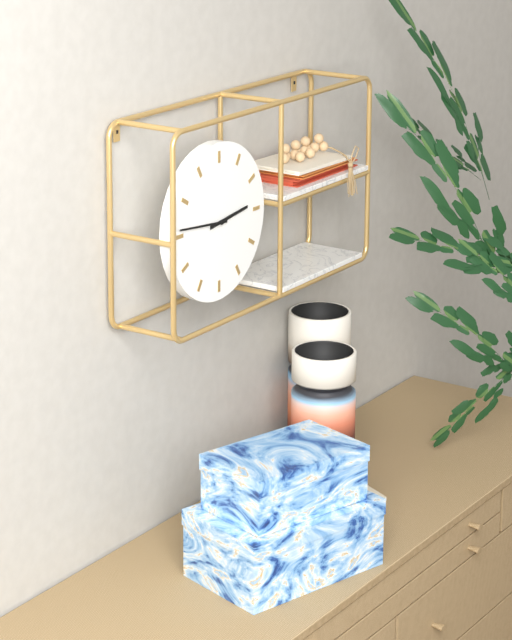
2:46
